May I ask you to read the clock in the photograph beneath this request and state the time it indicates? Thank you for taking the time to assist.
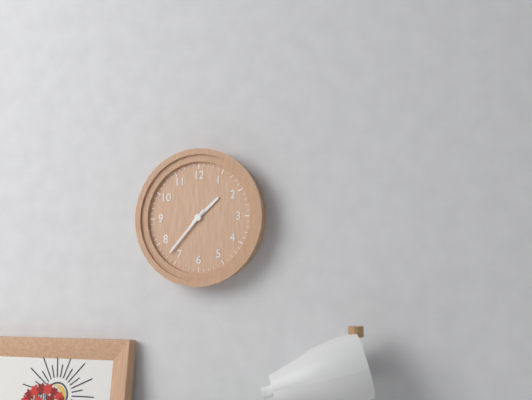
1:37
